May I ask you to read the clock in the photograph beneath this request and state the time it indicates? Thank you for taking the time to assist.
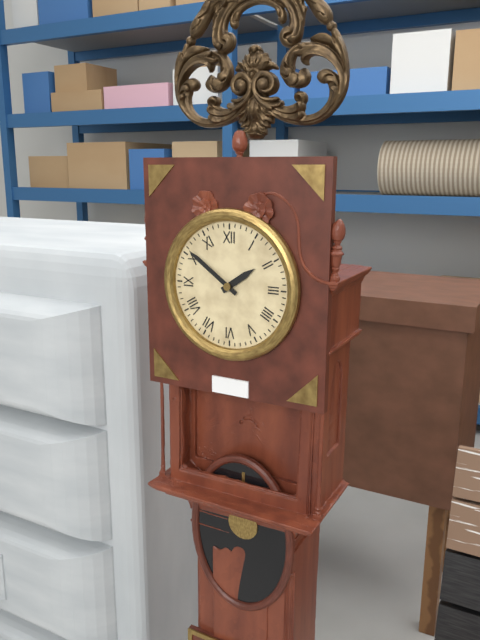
1:51
